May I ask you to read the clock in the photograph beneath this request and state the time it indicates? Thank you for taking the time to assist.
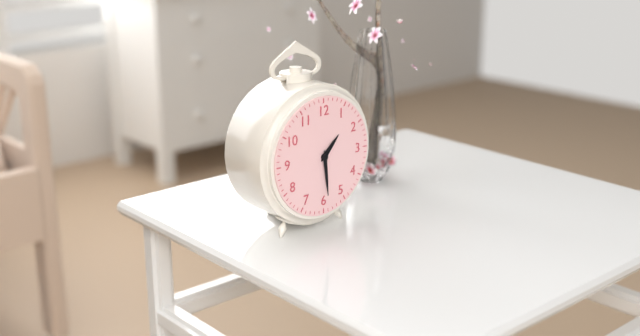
1:29
